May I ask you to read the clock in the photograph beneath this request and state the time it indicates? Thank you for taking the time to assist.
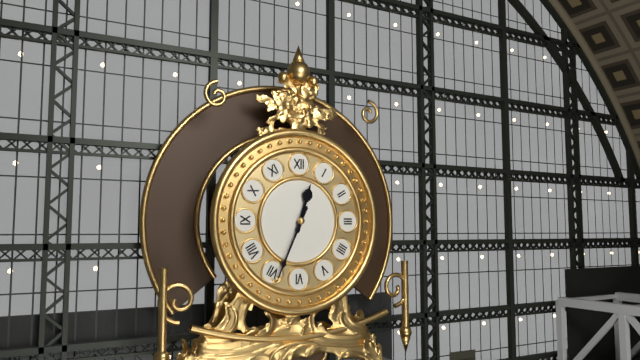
12:34
